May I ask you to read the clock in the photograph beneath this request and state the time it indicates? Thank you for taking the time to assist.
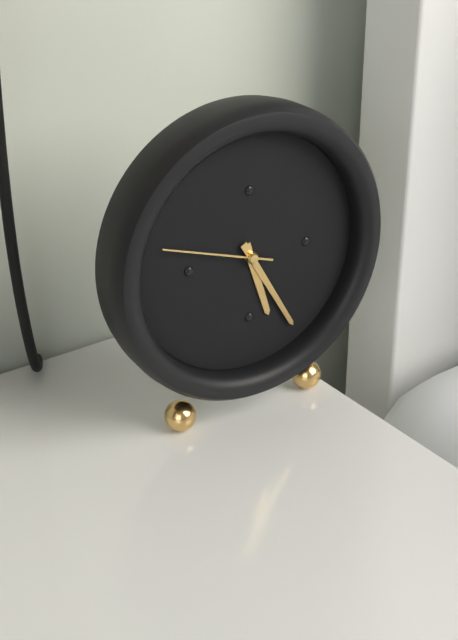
5:25:48
